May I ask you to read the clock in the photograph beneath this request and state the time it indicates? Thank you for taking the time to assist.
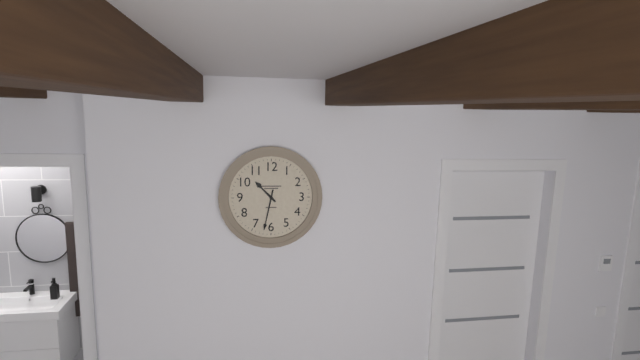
10:32
